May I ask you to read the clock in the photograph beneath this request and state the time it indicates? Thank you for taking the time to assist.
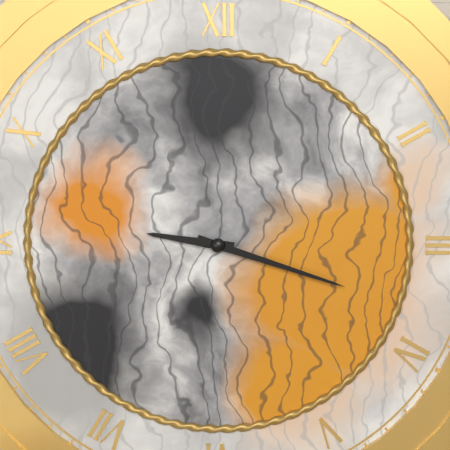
9:18
